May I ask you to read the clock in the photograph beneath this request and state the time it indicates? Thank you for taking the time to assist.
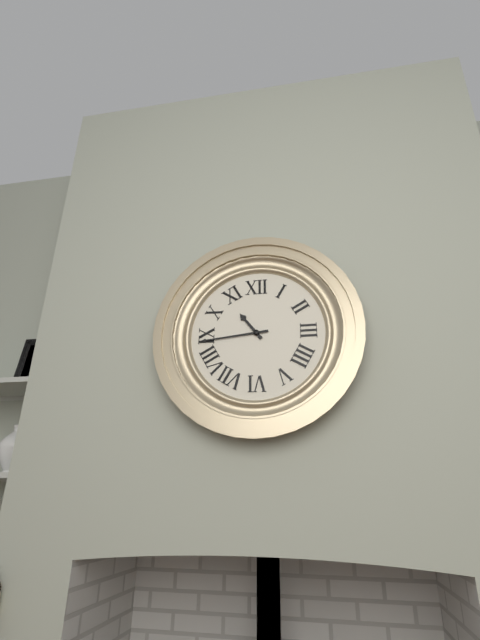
10:44
